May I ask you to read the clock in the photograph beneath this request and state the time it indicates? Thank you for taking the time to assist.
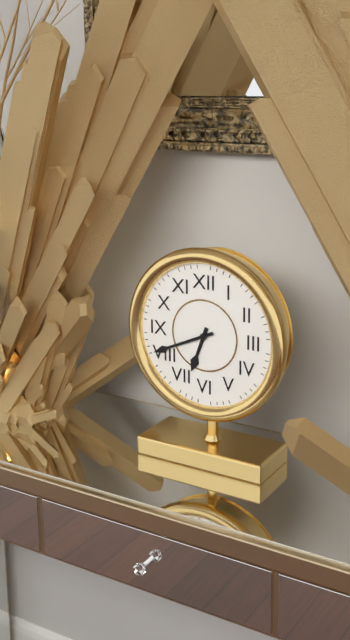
6:41
